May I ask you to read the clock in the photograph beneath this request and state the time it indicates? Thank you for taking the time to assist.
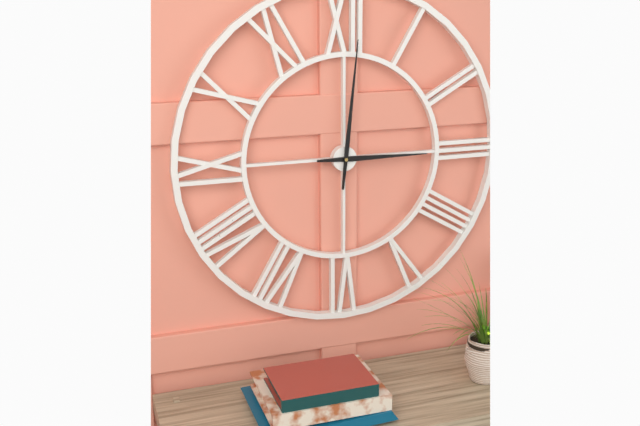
3:01
